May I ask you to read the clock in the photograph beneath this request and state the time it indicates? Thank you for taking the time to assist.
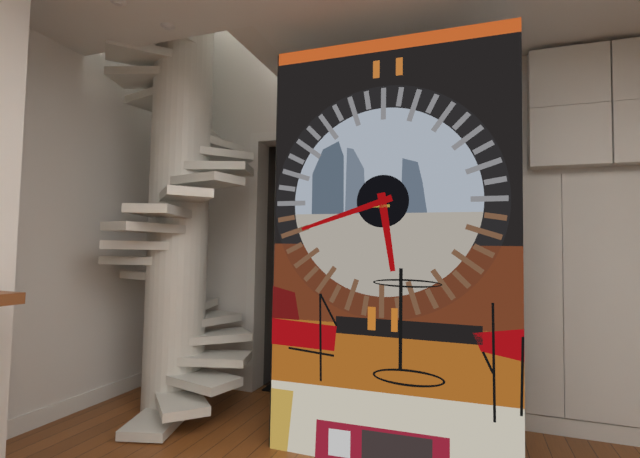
5:42
